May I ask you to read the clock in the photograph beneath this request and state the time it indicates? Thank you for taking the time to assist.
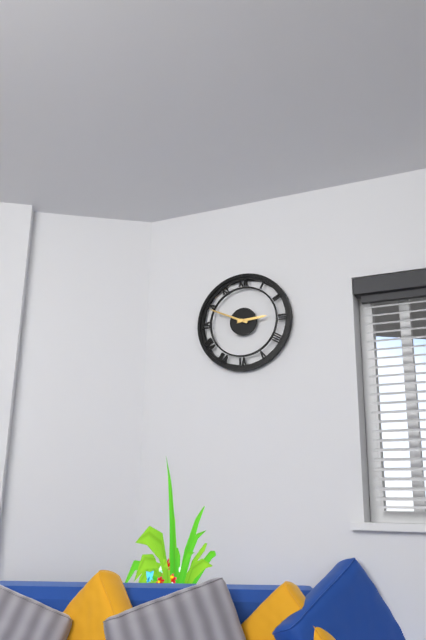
2:49
